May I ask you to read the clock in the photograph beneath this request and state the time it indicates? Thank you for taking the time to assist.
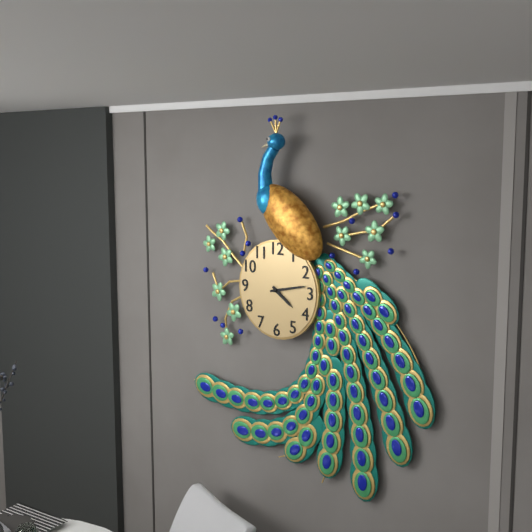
4:13
